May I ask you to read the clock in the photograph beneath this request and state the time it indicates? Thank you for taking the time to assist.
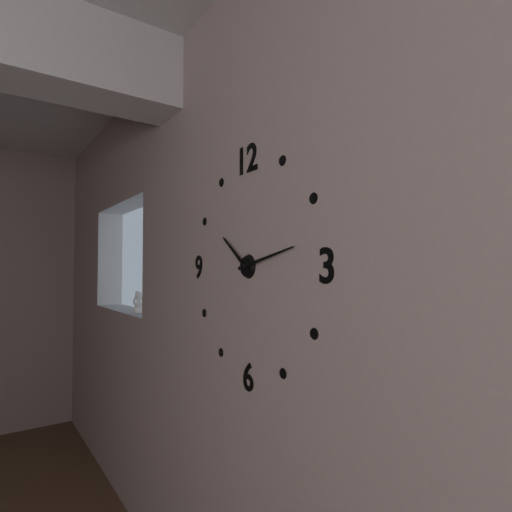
10:13
